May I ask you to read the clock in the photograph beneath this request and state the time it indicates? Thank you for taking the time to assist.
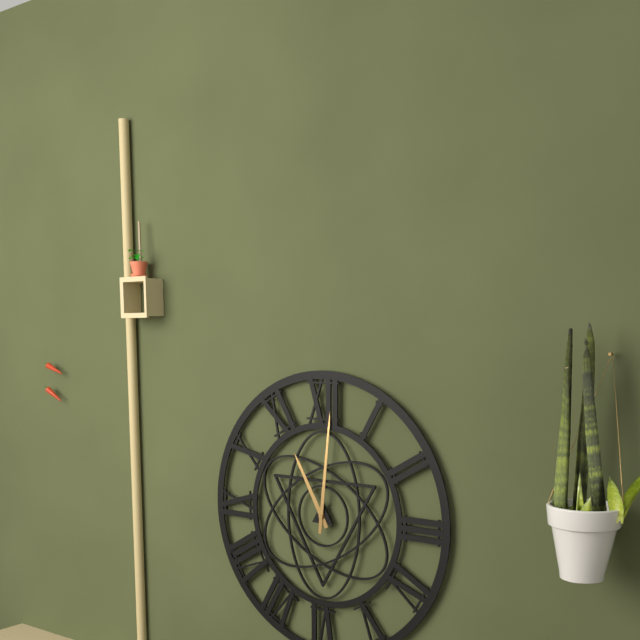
11:01
